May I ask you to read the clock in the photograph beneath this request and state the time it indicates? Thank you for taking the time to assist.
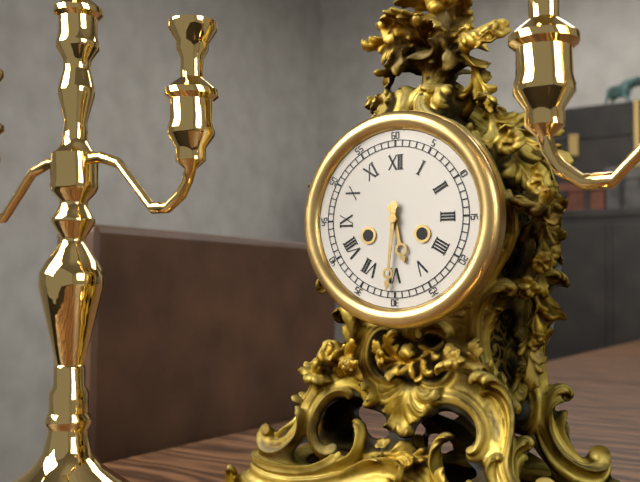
5:31
